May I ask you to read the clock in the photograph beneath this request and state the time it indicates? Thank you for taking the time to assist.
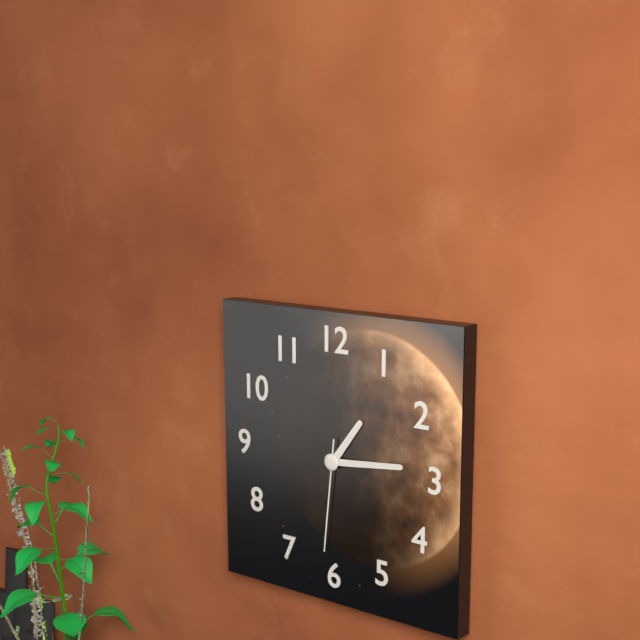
1:14:31
